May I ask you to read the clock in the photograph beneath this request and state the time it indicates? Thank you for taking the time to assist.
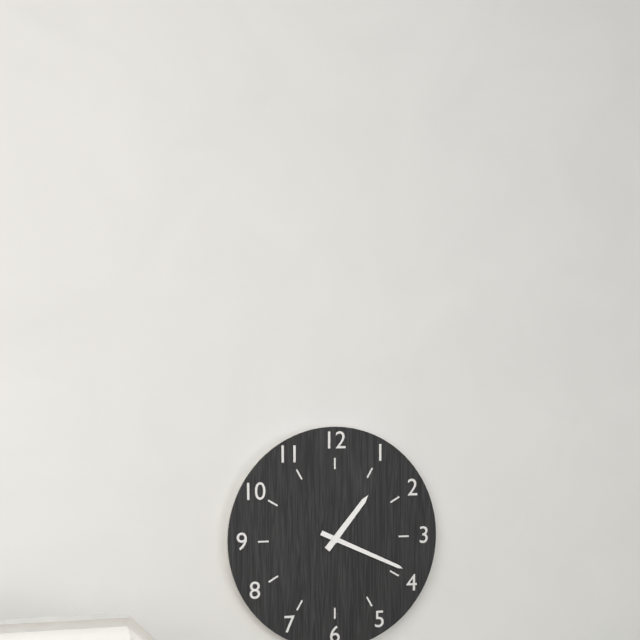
1:19
